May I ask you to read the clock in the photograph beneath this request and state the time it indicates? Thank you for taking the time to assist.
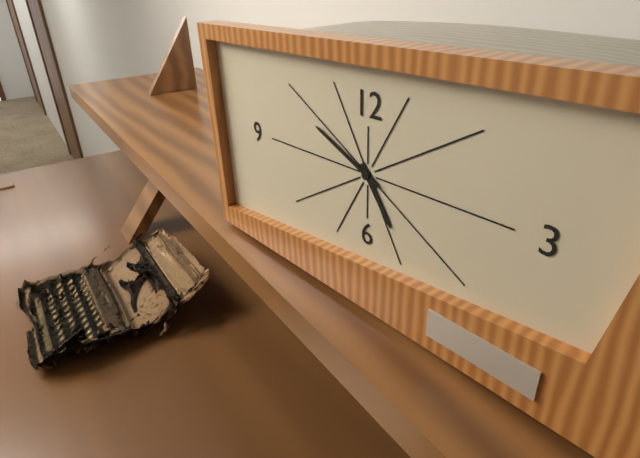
4:49
